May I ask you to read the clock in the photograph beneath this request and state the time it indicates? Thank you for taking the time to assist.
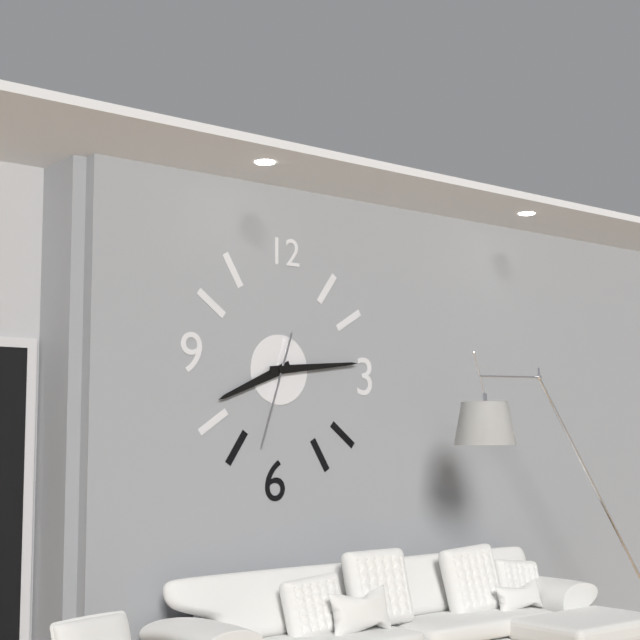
8:14:33
